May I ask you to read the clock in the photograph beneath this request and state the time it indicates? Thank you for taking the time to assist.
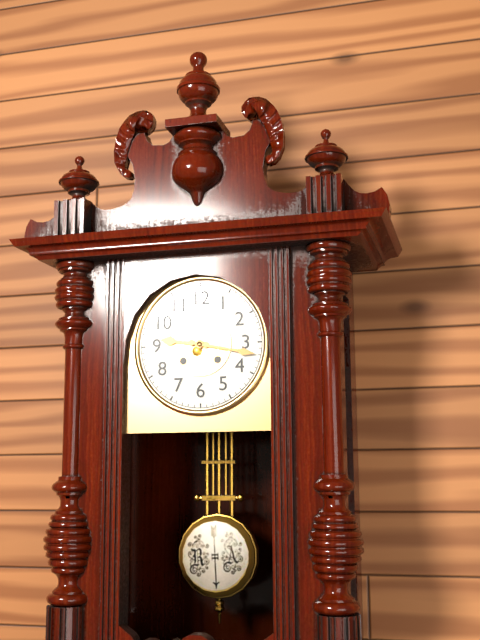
9:17
